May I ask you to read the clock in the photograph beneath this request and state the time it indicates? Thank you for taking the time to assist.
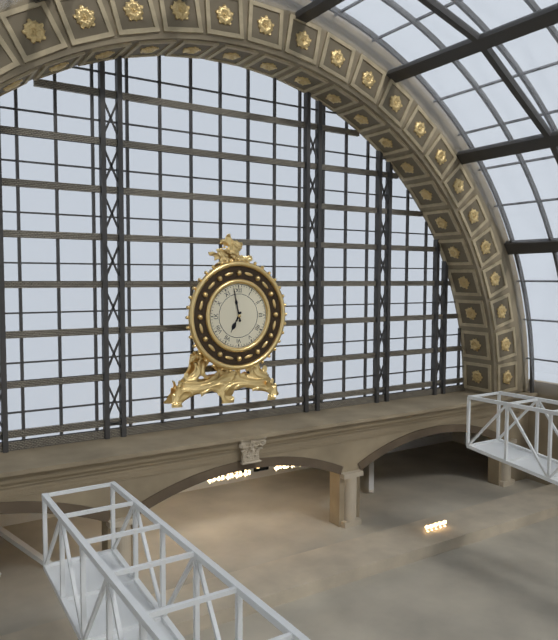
6:58
